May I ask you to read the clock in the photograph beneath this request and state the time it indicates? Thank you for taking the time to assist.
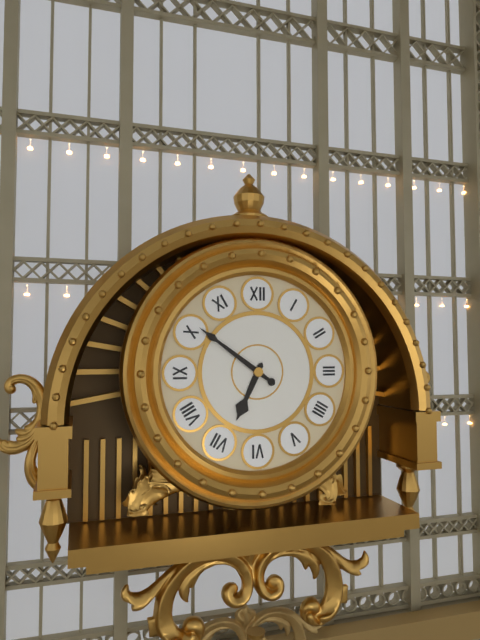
6:51
